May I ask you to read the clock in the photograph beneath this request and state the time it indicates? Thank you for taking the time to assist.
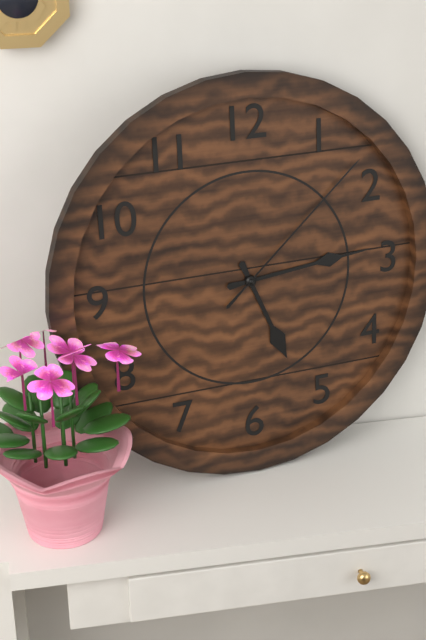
5:14:08
